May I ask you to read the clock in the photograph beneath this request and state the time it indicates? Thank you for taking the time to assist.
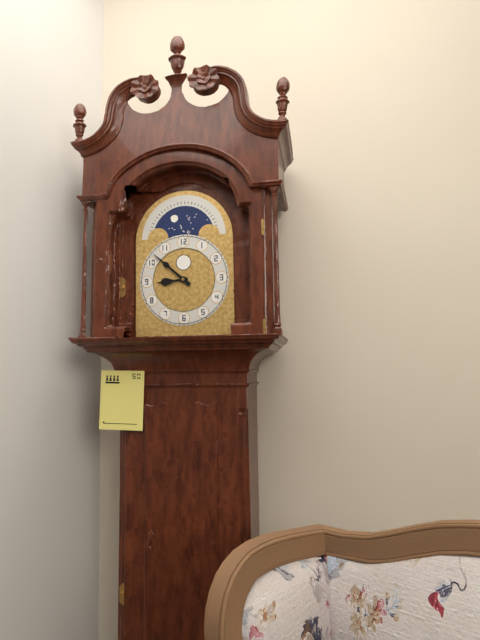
8:52
